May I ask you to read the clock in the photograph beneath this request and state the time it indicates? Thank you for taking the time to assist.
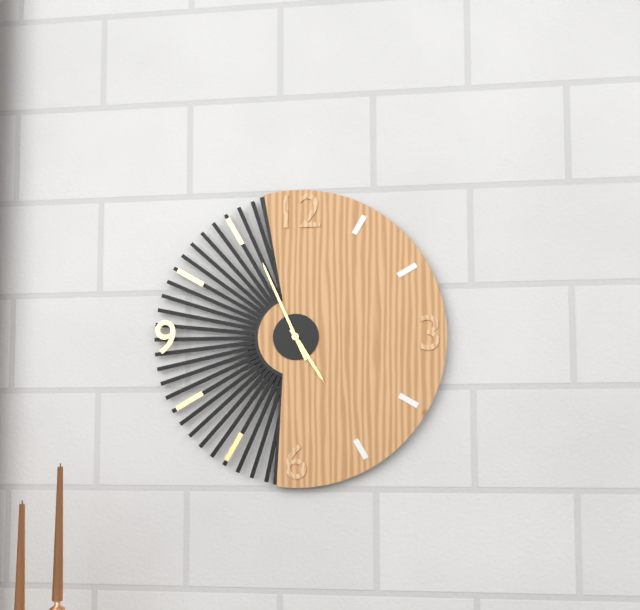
4:56
